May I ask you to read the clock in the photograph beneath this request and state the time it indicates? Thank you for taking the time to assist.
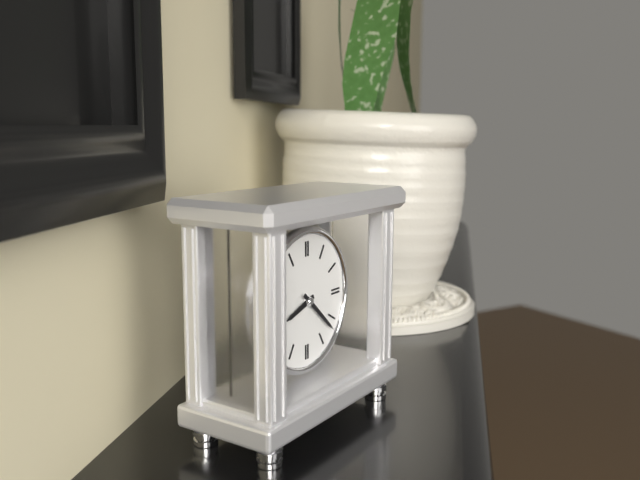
8:22
